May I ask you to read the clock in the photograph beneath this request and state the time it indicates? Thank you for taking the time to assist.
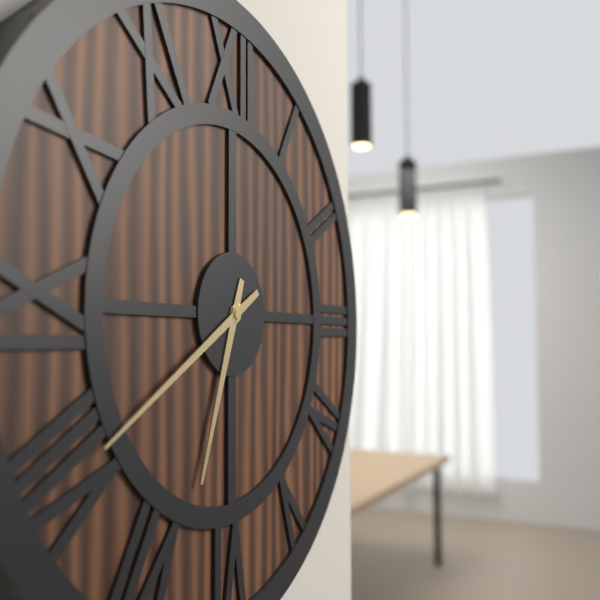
6:40
